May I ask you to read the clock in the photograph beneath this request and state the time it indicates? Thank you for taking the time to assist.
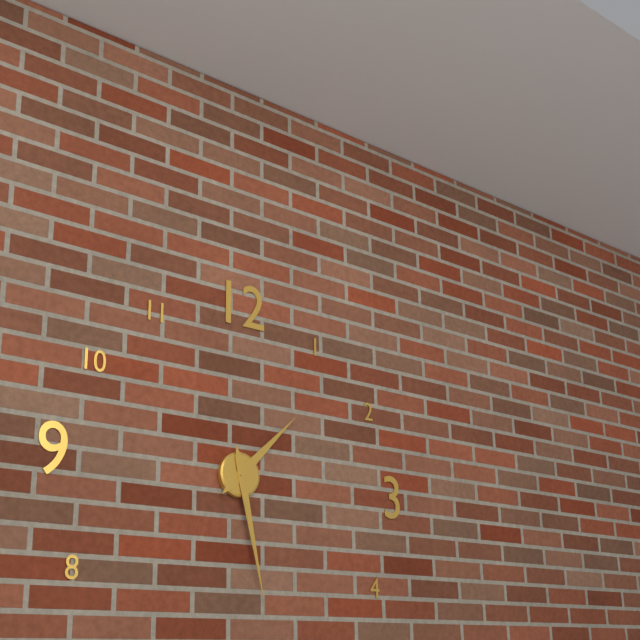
1:28
